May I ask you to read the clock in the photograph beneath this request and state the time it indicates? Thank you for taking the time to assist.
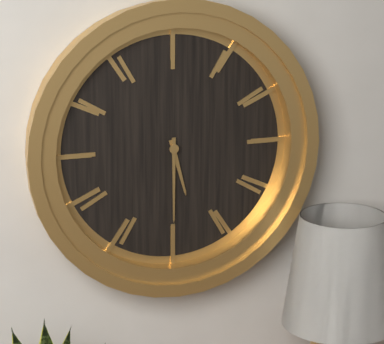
5:30
